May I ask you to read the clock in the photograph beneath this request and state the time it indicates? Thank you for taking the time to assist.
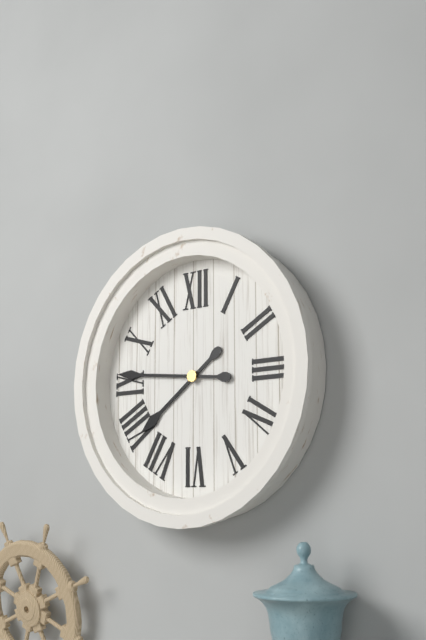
7:46
